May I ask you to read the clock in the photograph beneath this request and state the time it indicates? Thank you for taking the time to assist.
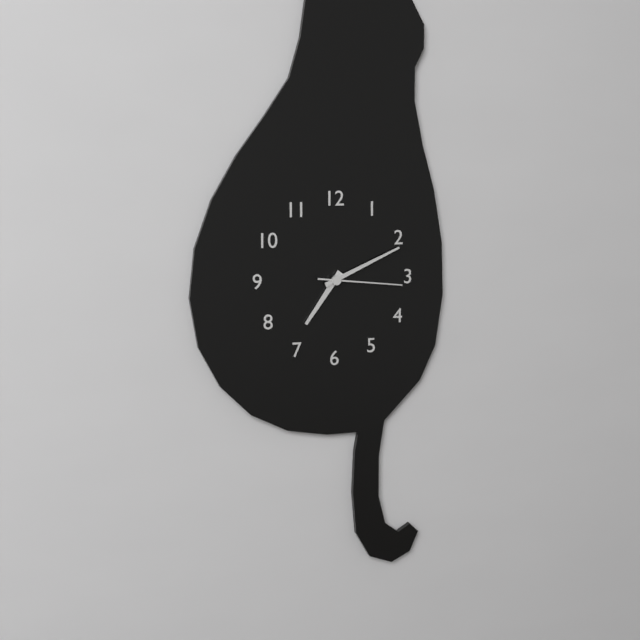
7:11:16
